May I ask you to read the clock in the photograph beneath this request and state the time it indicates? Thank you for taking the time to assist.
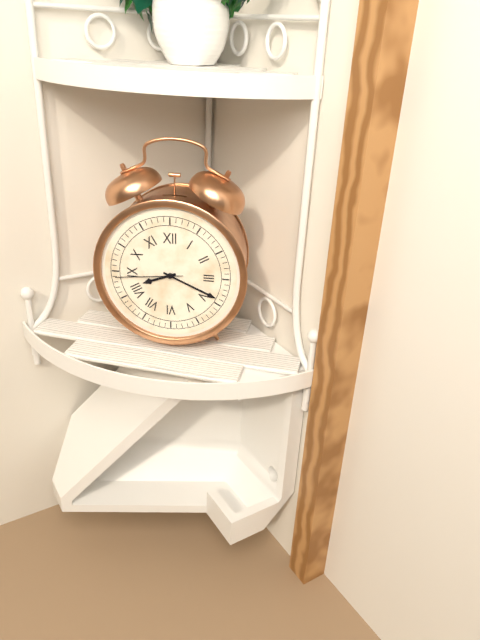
8:19:44
